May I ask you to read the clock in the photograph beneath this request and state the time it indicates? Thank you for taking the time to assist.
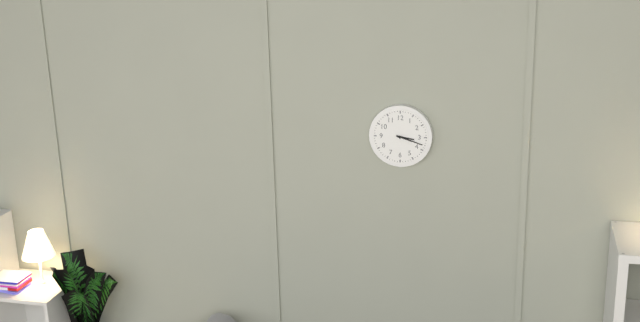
3:18
